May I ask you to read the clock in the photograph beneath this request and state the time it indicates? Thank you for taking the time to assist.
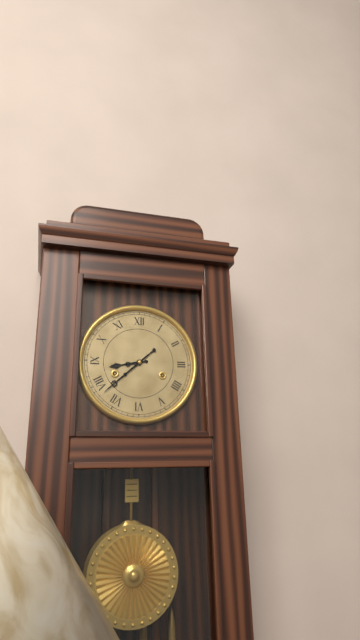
8:38
